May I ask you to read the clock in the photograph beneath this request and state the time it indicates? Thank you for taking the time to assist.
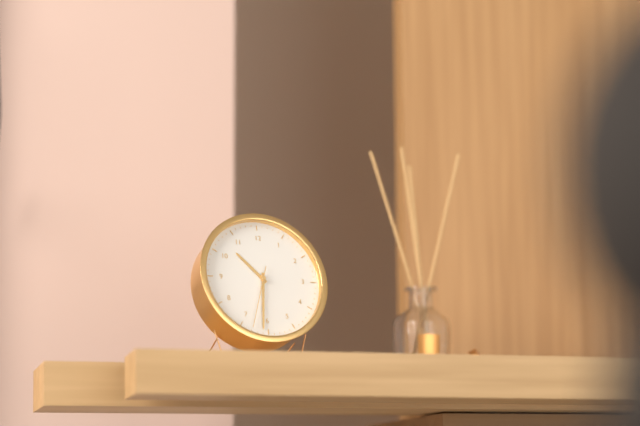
10:31:33
